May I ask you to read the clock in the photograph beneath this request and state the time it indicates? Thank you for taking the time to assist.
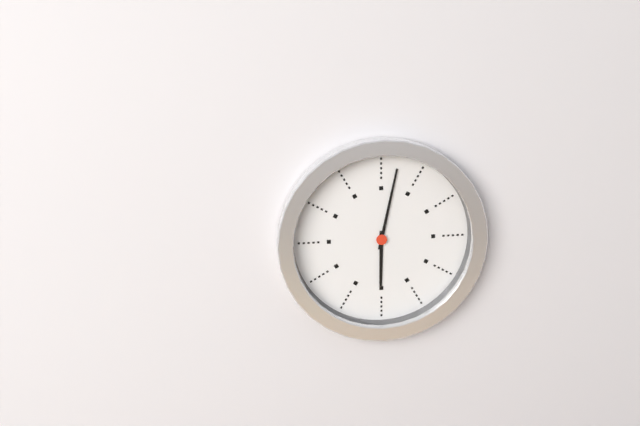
6:02
